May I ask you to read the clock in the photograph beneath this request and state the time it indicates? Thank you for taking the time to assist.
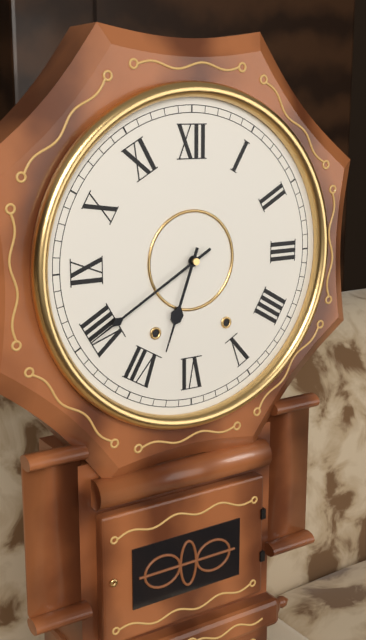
6:40
